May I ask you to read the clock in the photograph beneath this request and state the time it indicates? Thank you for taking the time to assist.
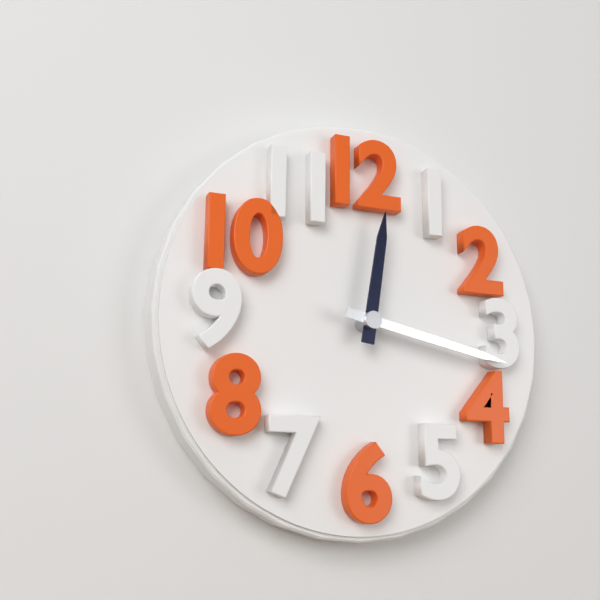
12:17
